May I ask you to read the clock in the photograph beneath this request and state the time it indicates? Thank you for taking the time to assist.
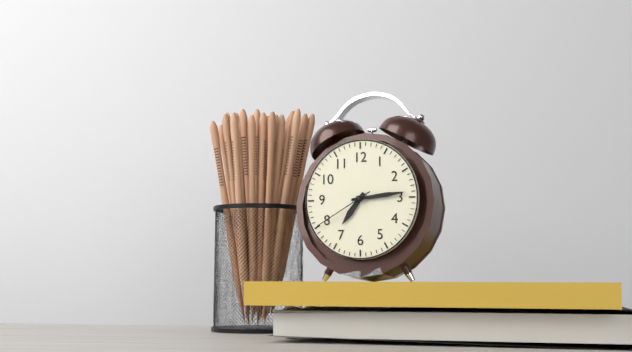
7:14:40
